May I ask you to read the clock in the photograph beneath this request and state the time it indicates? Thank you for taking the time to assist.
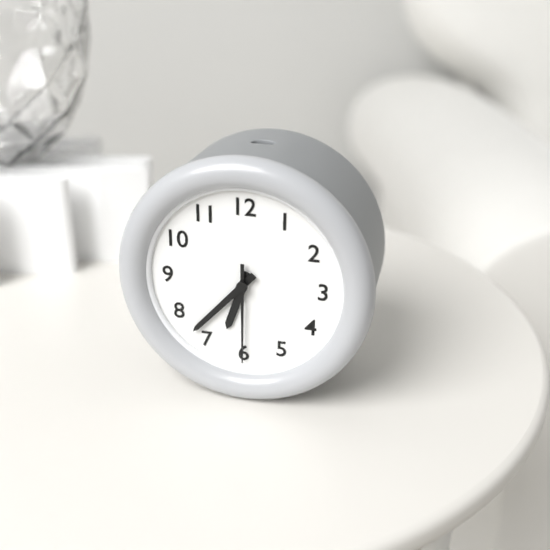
6:37:30
